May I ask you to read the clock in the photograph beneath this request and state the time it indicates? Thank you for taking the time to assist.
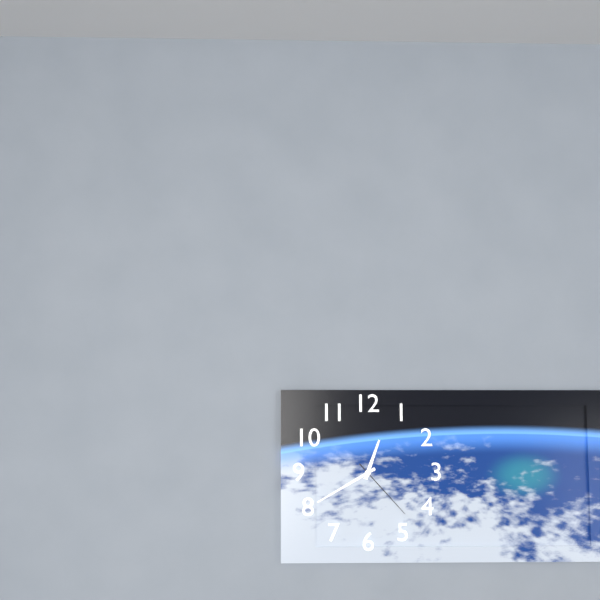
12:40:23
